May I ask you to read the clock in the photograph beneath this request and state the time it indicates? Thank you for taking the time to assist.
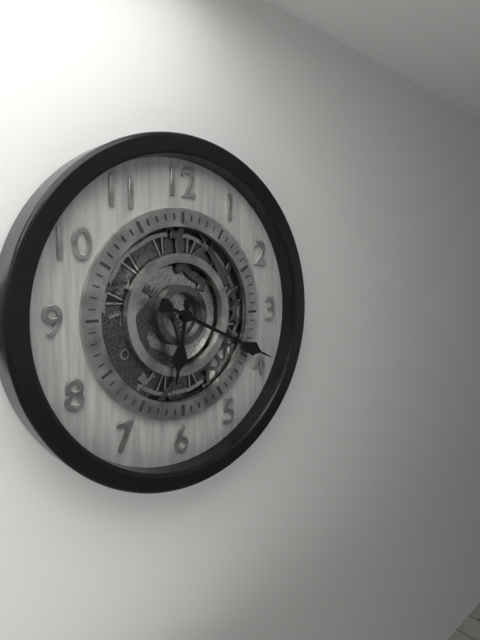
6:19
